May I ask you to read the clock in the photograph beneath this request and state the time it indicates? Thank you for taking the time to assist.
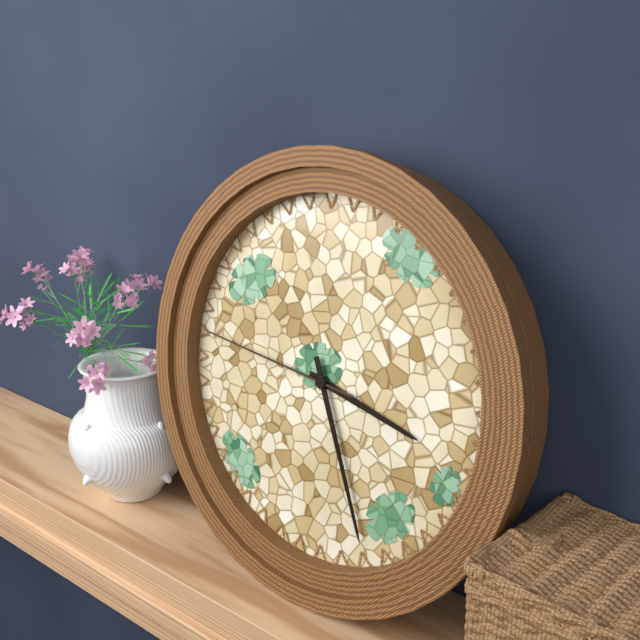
3:26:46
